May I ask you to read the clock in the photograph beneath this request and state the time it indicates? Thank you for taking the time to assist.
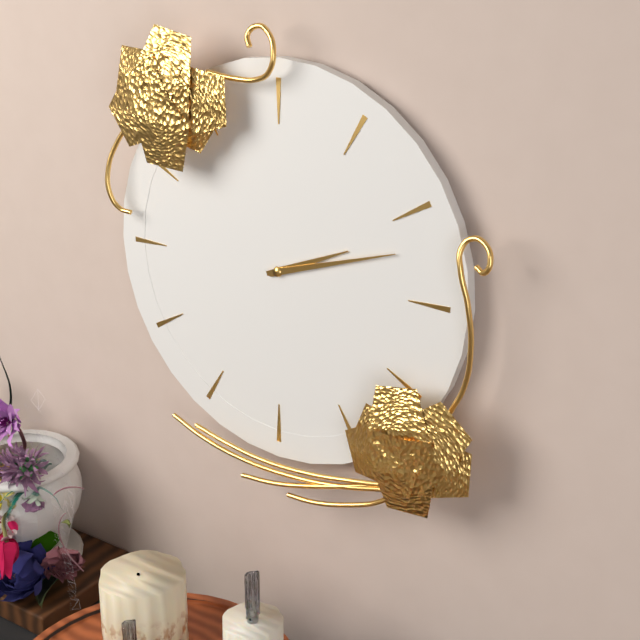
2:12
